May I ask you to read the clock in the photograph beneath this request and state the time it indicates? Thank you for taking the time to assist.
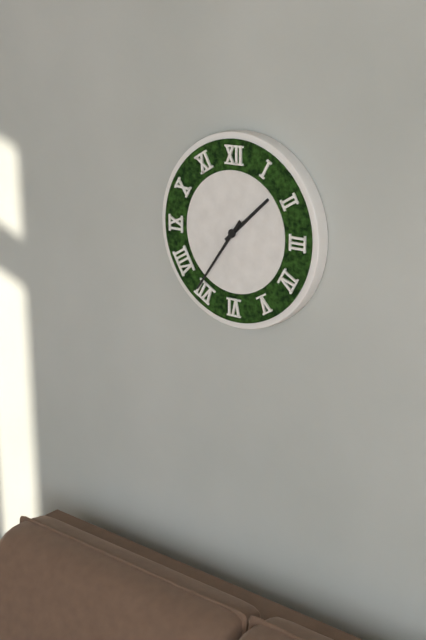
1:36
